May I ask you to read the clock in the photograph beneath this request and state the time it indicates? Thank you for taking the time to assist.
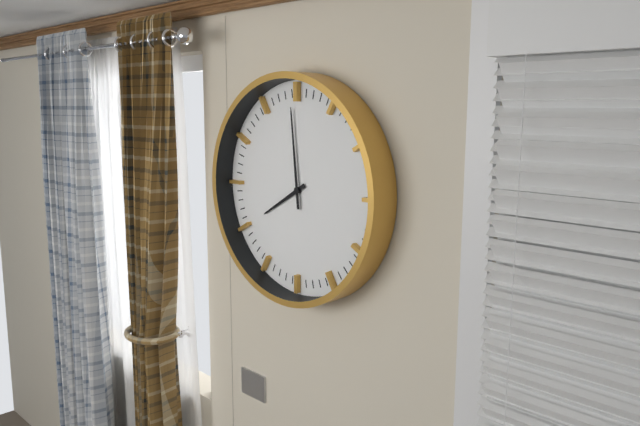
7:59
